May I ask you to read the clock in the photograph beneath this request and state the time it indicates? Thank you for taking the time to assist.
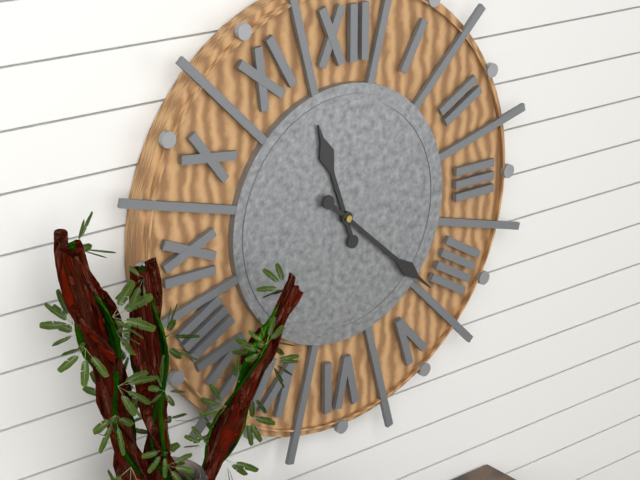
11:22
